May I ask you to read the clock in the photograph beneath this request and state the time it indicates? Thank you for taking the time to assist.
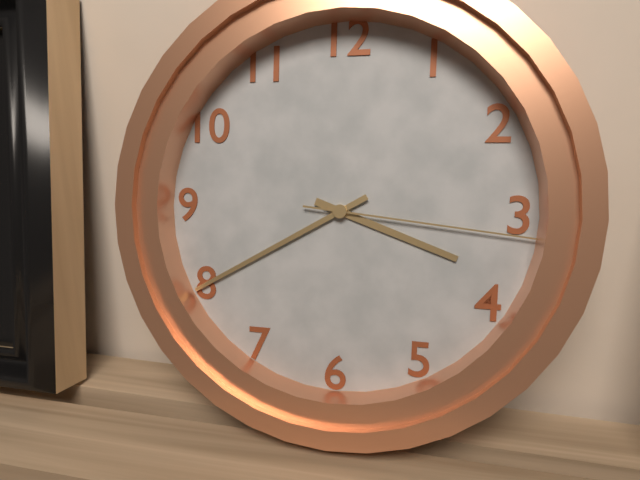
3:40:16
